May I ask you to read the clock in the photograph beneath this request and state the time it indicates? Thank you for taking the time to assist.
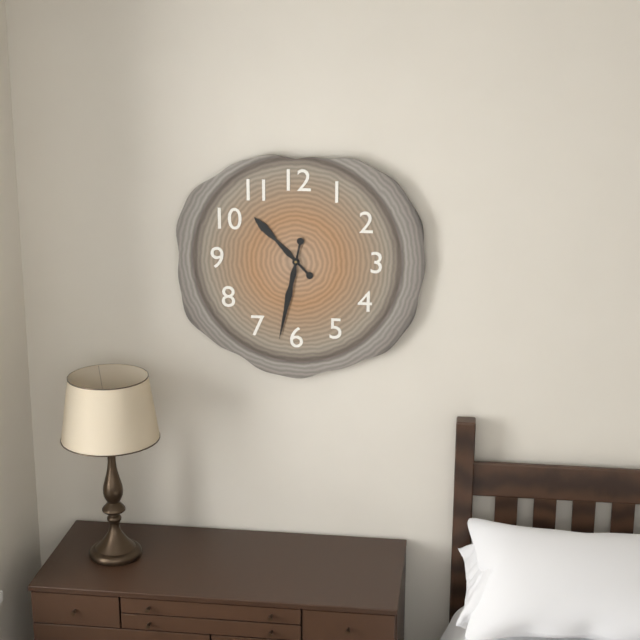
10:32
